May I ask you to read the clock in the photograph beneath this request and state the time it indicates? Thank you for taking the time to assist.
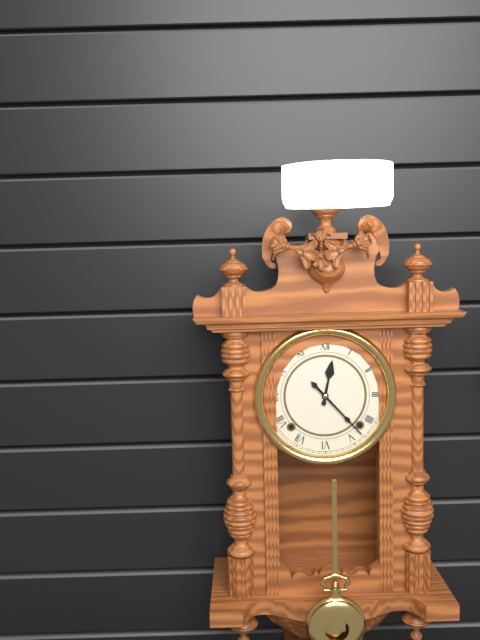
12:23
